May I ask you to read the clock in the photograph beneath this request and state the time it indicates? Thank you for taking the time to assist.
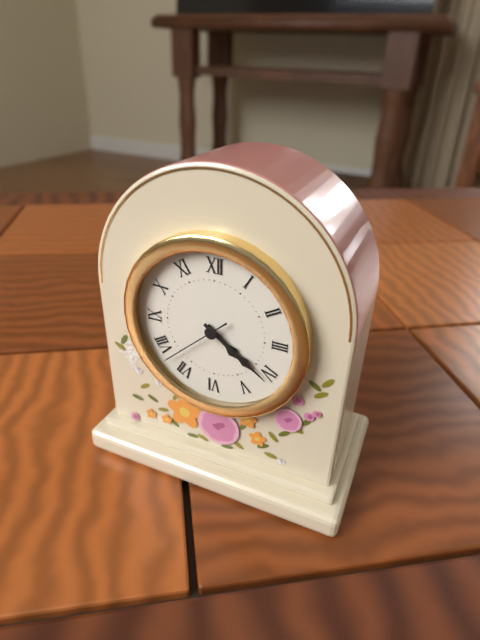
4:21:38
